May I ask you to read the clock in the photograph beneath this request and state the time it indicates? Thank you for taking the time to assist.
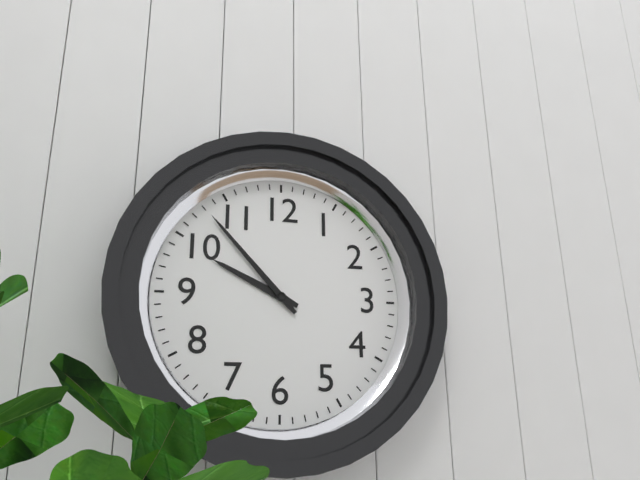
9:53
